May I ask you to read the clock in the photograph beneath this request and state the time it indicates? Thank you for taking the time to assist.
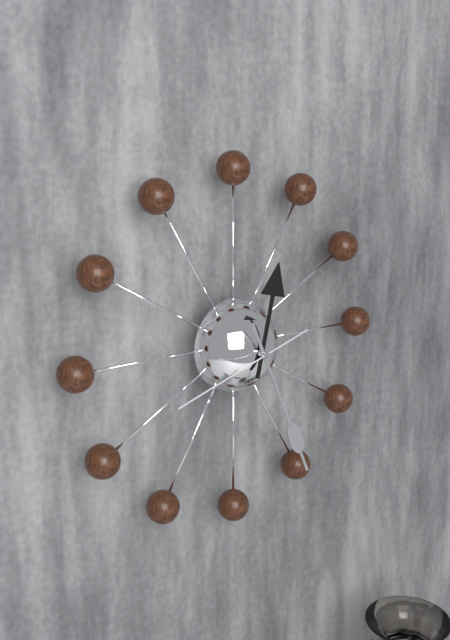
12:26:42
